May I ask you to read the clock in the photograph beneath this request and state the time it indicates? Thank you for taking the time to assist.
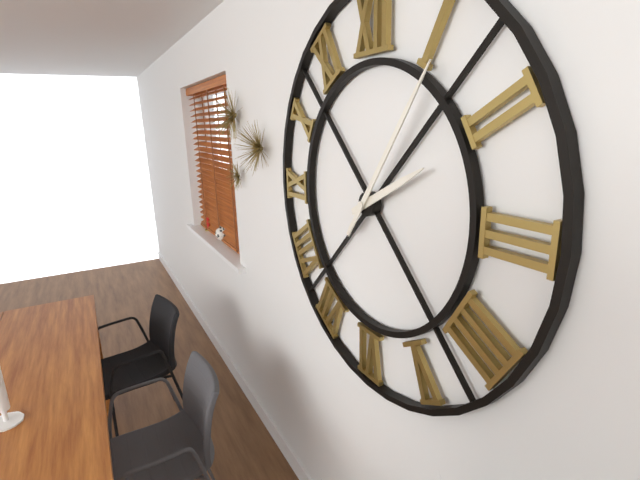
2:06
